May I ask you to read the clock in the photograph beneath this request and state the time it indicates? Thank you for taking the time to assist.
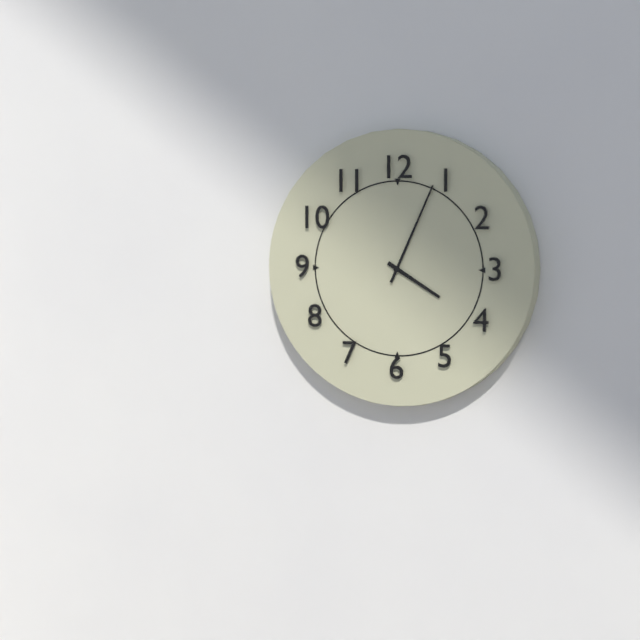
4:04
